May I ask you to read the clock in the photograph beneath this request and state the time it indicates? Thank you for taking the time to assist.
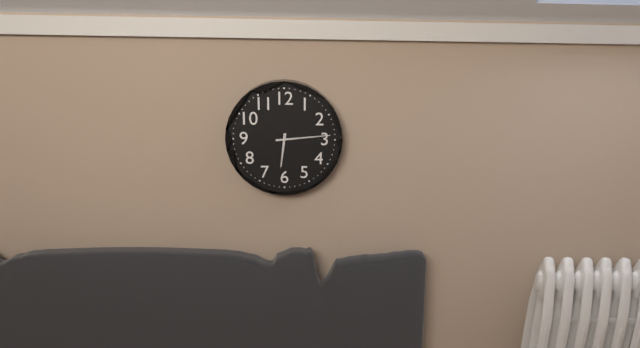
6:14
